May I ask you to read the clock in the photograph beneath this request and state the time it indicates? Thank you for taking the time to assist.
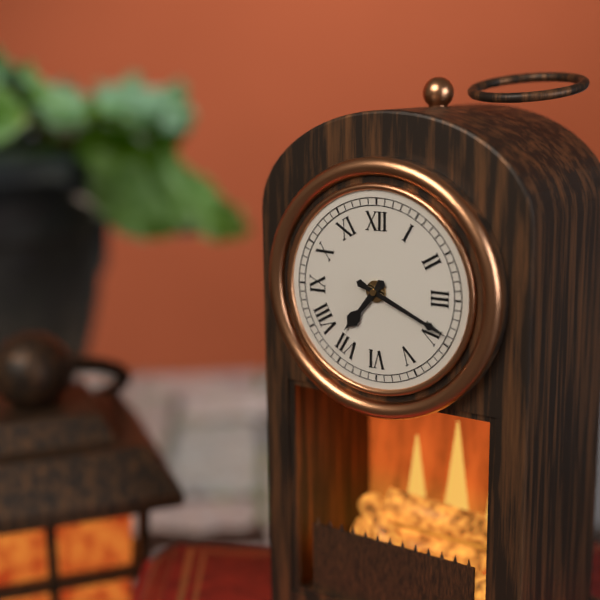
7:19
